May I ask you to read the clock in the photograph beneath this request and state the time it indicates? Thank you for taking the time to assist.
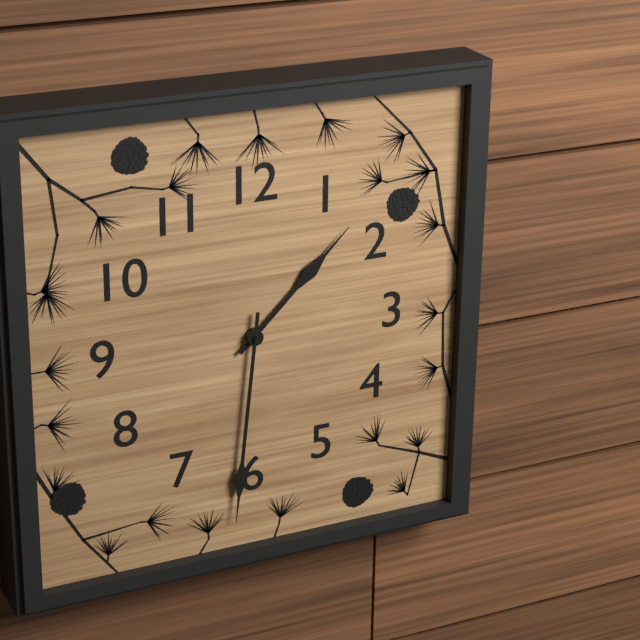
1:31
